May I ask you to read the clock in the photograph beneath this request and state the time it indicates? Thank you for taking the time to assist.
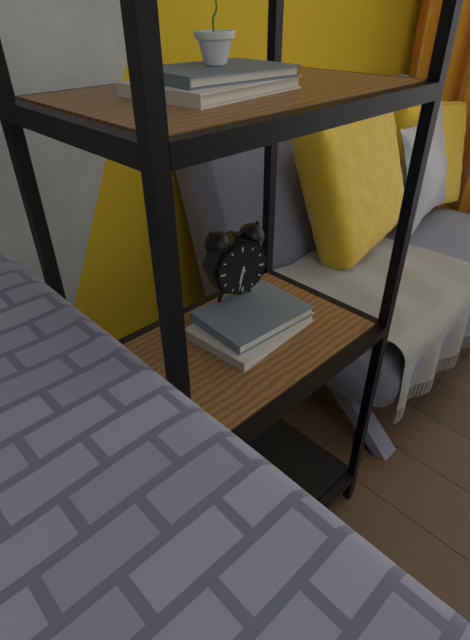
6:32
